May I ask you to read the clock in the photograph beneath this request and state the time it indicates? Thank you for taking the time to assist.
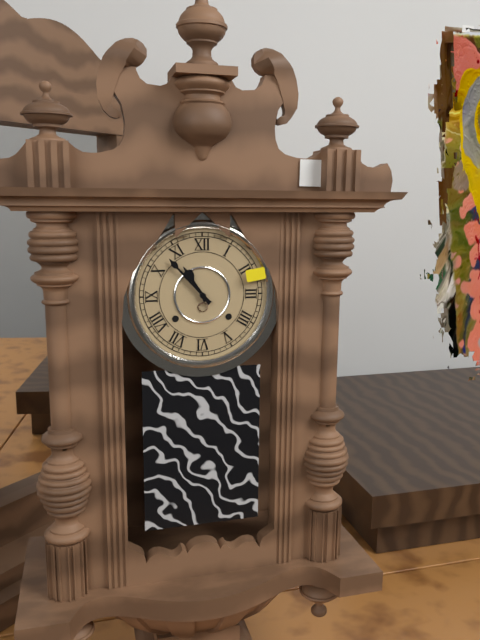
10:53
